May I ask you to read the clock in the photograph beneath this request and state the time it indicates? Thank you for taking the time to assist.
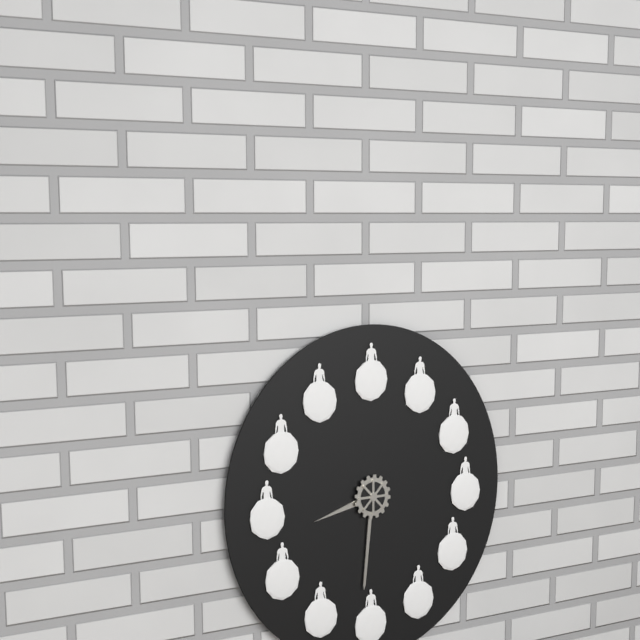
8:31
